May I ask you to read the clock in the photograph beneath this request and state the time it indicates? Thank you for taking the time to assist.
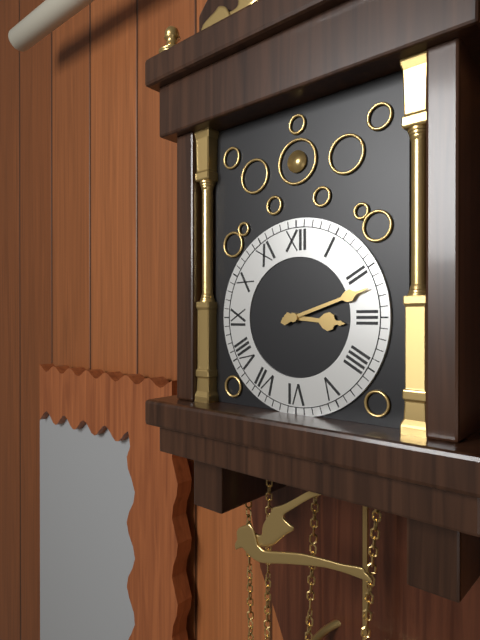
3:12
